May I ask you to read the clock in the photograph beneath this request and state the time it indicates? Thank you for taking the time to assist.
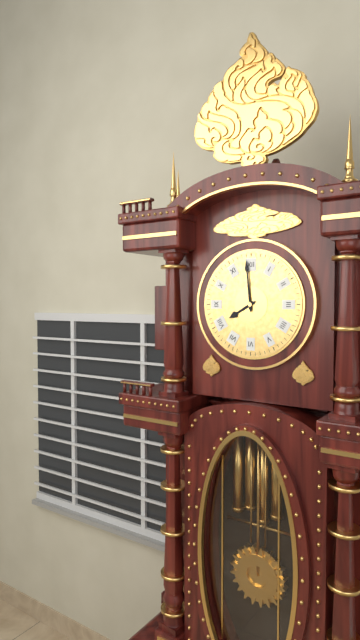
7:59
